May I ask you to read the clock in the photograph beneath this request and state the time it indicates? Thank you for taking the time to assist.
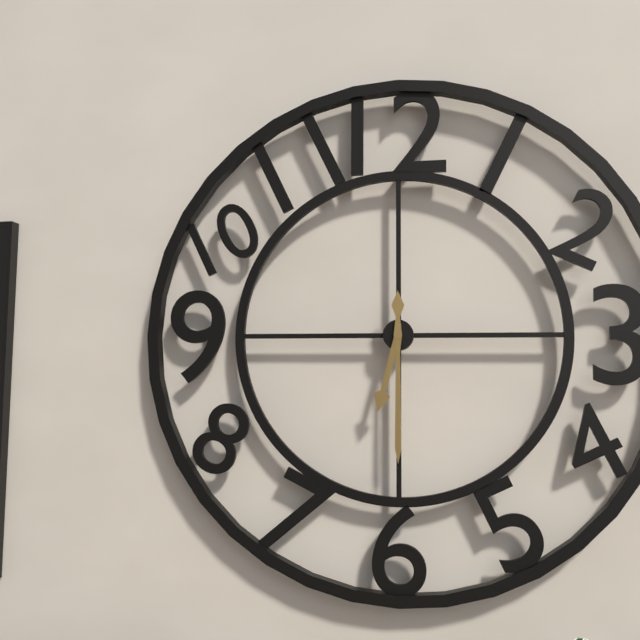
6:30
